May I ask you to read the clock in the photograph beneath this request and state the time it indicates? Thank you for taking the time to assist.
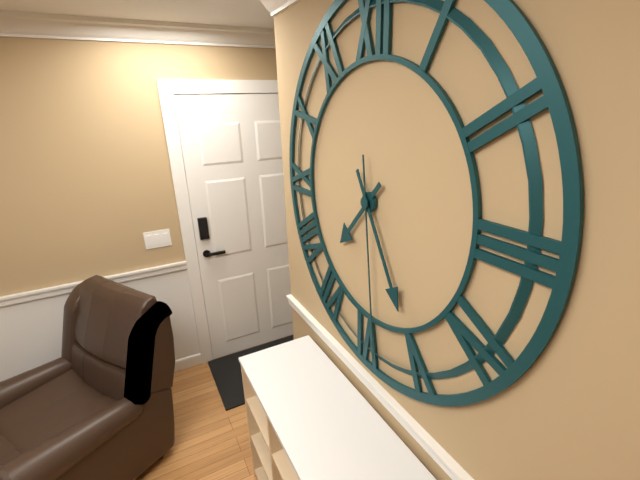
7:25:29
